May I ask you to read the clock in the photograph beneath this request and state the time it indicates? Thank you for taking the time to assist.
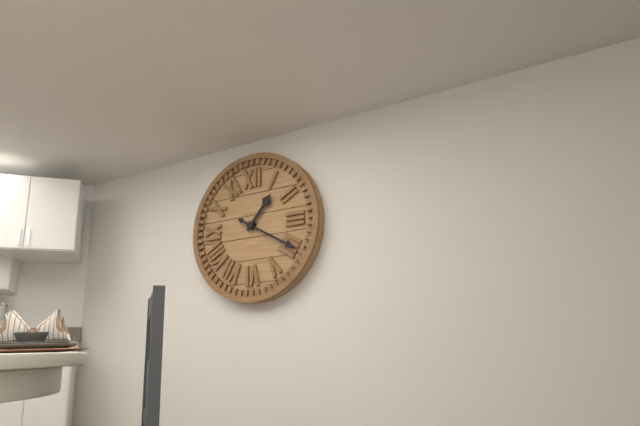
1:20
